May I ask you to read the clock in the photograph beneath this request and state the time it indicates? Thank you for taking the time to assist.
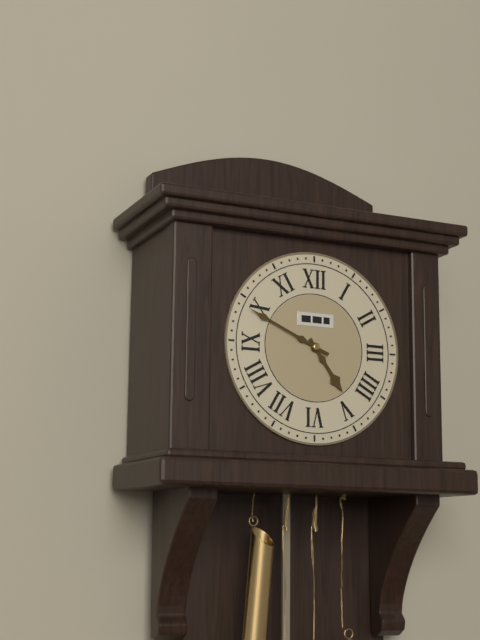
4:49
